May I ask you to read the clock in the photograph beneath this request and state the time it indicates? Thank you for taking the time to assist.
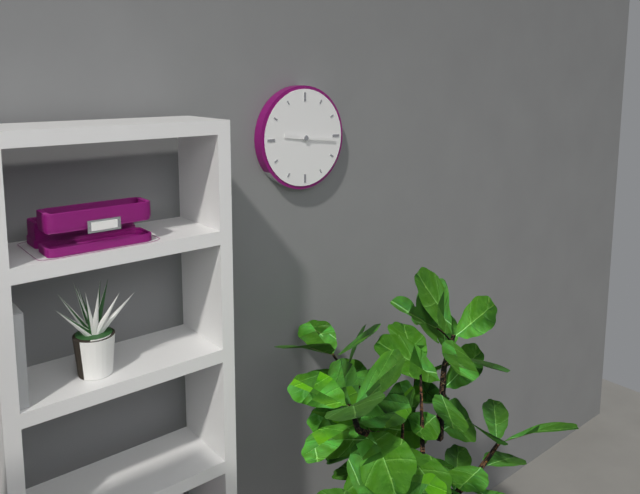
9:16
